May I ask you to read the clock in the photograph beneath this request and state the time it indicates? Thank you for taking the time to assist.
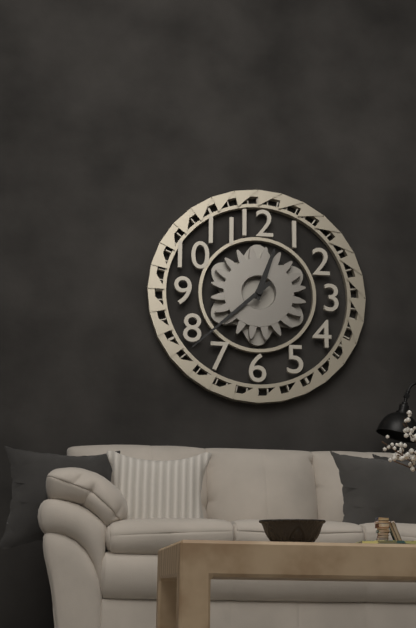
12:38
